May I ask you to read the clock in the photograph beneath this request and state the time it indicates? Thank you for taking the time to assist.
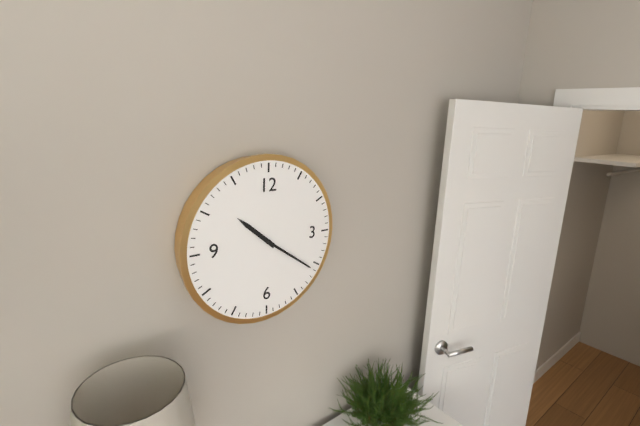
10:21
